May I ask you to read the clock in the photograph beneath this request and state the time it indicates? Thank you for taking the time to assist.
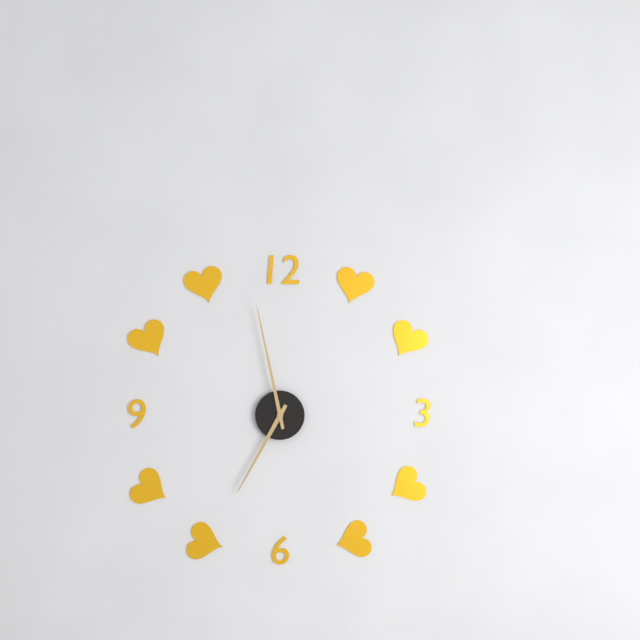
6:58
